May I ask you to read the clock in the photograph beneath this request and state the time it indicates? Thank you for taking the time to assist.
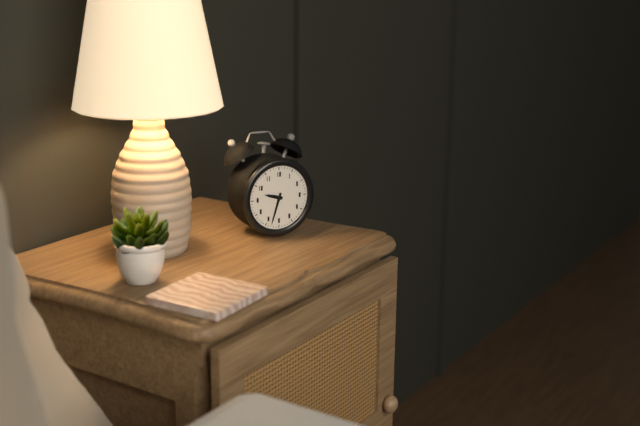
9:33
